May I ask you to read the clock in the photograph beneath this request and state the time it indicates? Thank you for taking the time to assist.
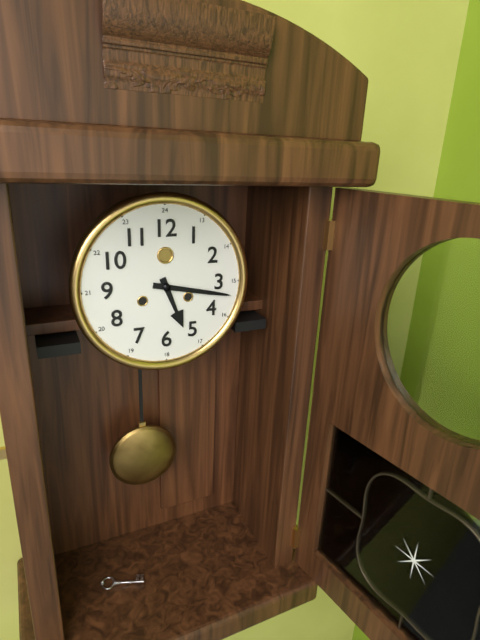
5:17
